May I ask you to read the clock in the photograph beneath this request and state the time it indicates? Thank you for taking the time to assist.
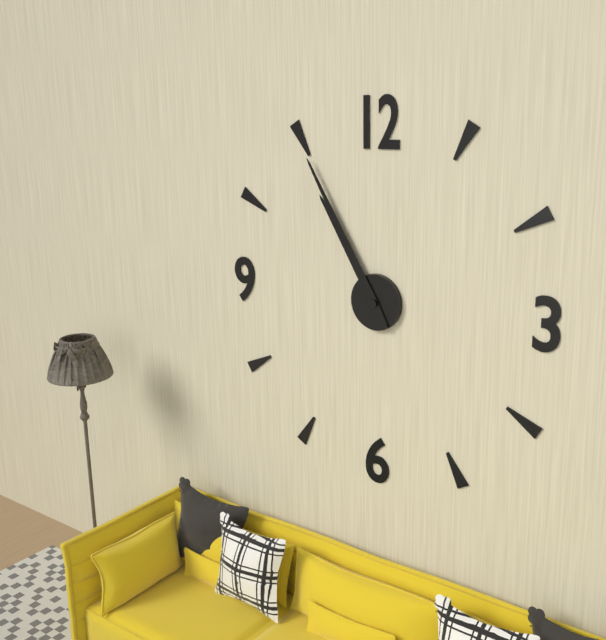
10:55
